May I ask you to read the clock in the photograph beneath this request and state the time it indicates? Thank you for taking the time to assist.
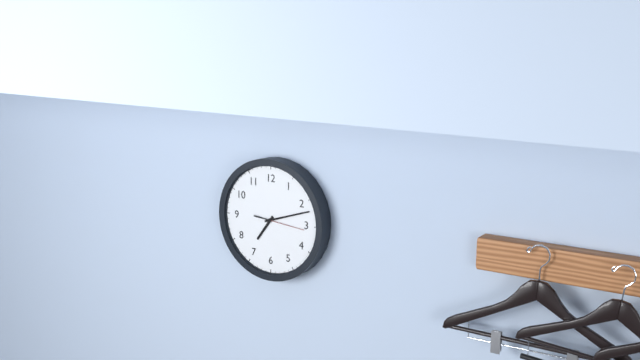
7:12
